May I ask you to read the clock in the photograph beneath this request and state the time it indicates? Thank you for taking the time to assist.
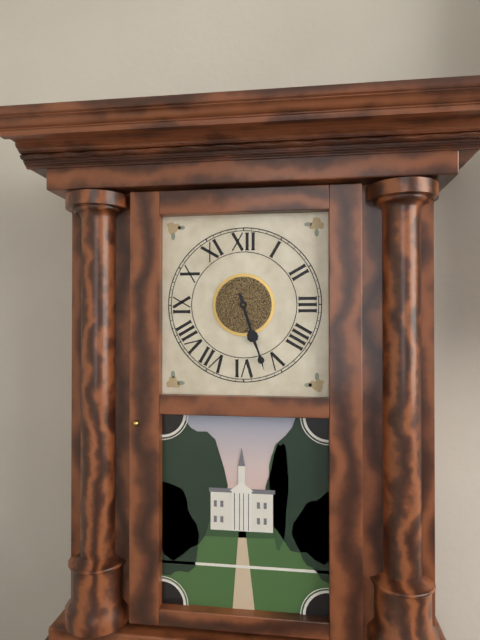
5:27
